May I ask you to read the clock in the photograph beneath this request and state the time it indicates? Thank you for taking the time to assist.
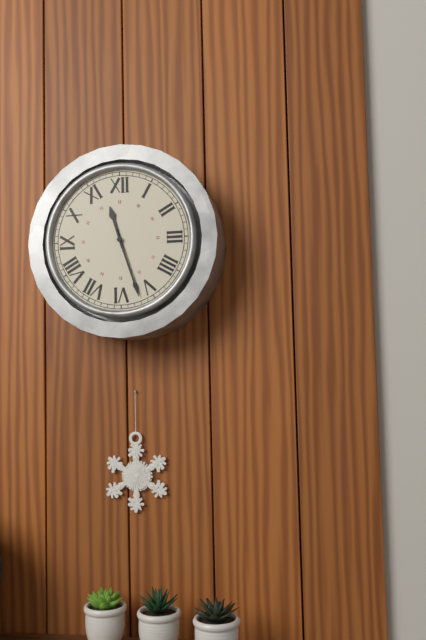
11:27
